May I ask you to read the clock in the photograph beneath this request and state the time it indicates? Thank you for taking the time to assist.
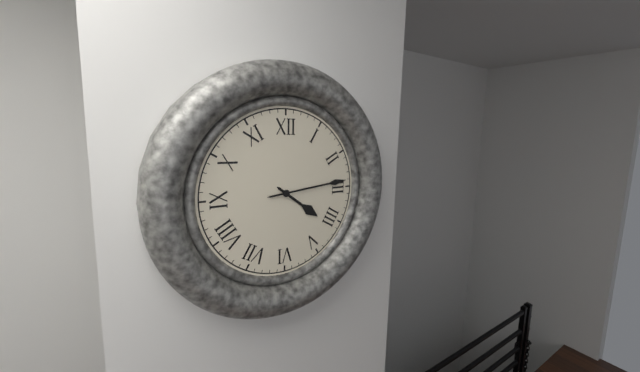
4:14
